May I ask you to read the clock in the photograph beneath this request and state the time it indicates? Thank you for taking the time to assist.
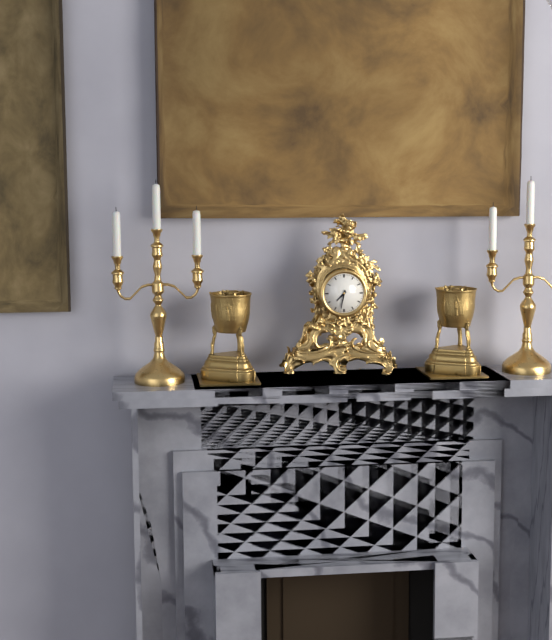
7:32
